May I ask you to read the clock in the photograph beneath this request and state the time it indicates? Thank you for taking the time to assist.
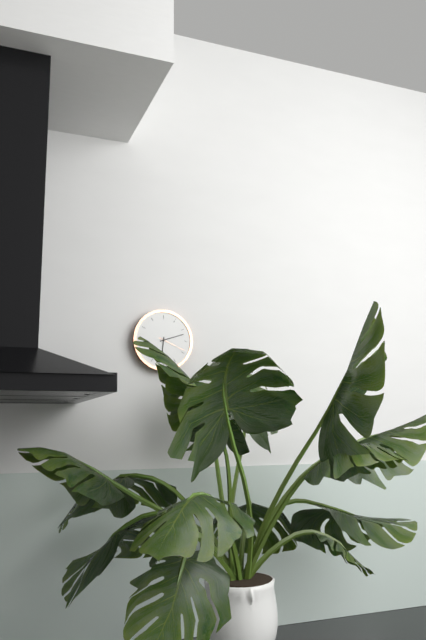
6:12
